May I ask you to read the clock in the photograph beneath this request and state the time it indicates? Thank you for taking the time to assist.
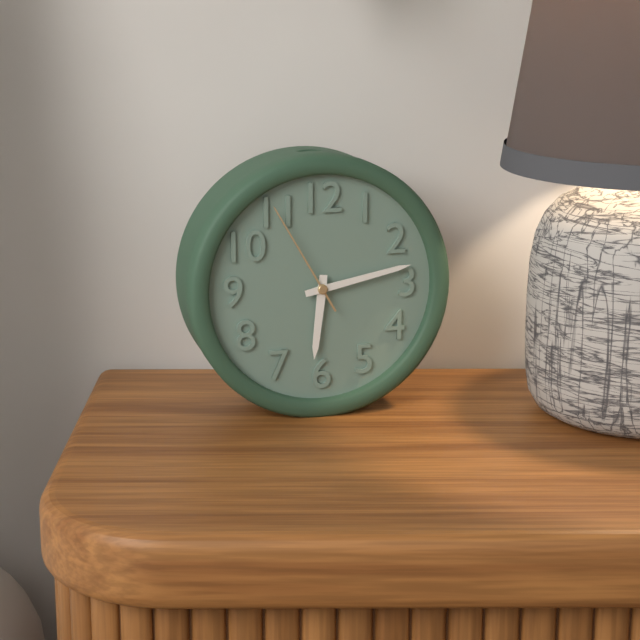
6:13:55
